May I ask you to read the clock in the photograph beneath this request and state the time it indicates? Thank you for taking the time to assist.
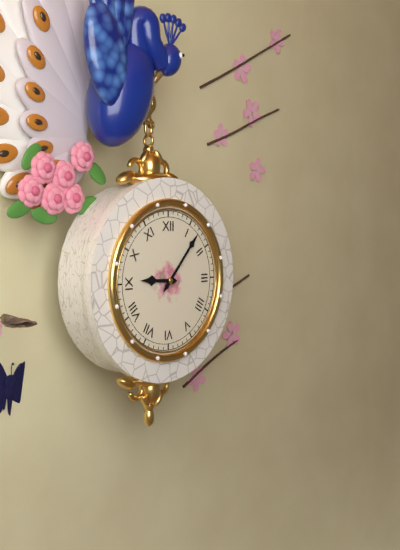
9:07
